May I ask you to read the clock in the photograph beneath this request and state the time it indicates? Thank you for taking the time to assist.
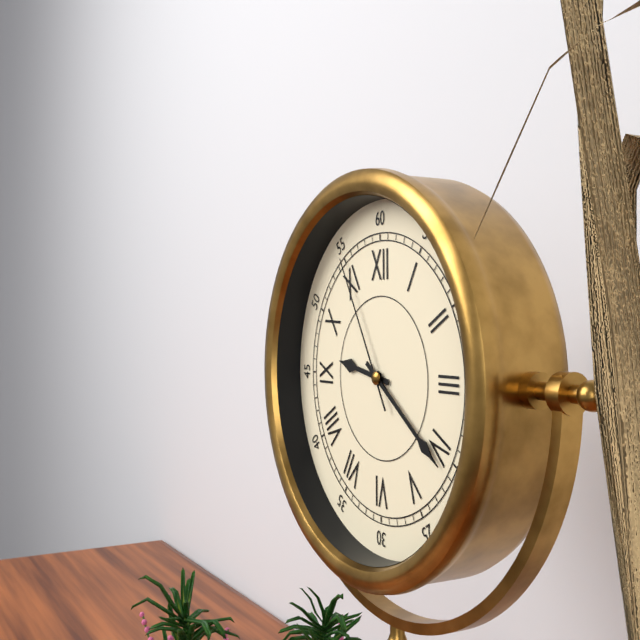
9:21:55
